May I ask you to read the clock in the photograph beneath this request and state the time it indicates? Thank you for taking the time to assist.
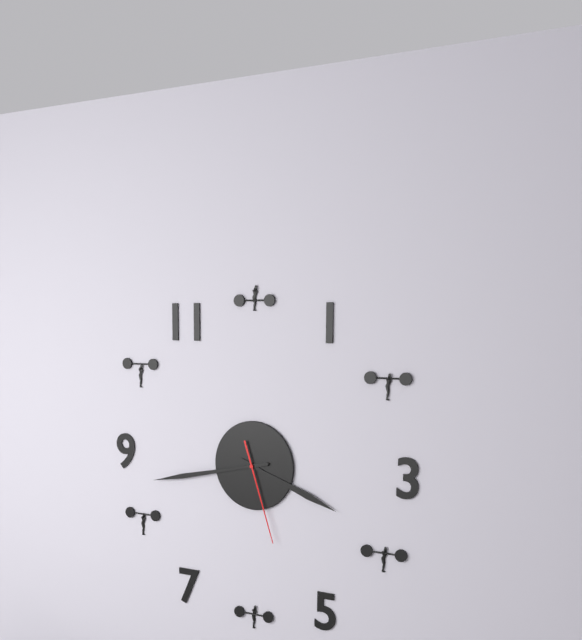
3:43:27
